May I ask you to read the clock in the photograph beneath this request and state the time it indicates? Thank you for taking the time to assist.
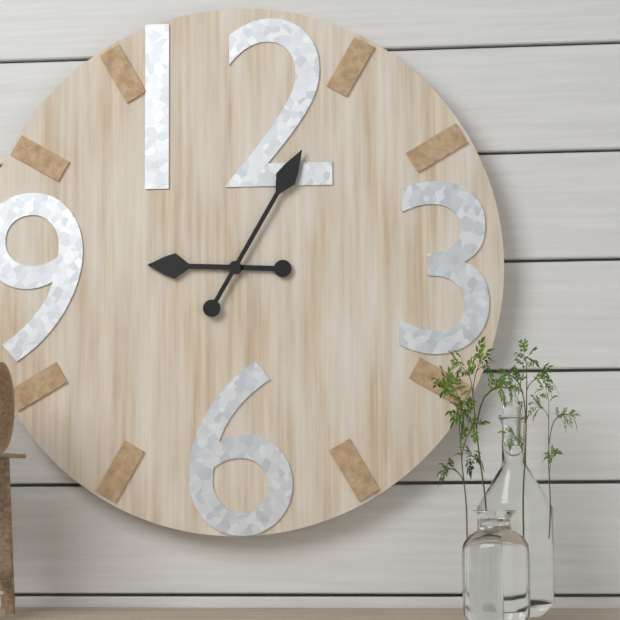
9:05
